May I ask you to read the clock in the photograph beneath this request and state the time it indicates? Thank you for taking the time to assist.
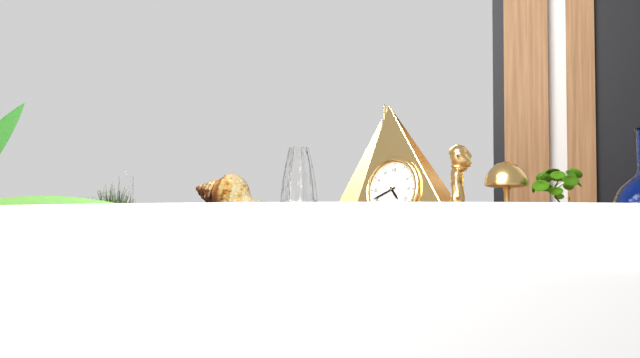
4:41
